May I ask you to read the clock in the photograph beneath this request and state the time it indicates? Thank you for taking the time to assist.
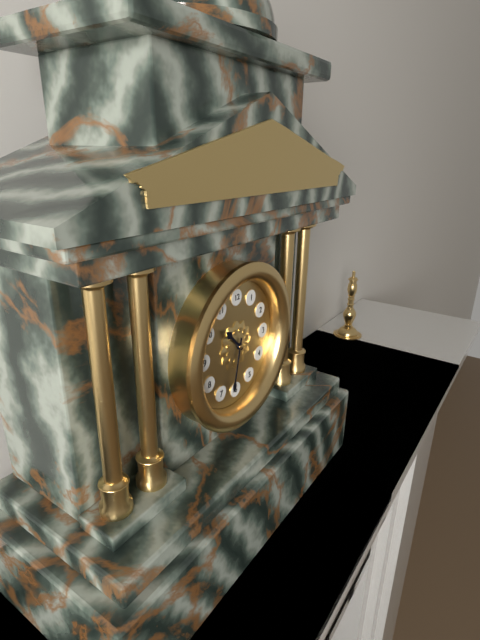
10:32
